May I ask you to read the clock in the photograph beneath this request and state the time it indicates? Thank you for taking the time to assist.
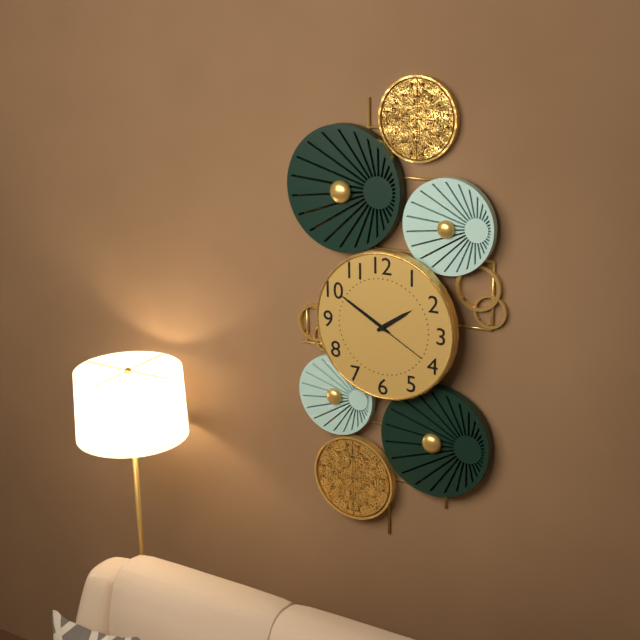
1:50:20
